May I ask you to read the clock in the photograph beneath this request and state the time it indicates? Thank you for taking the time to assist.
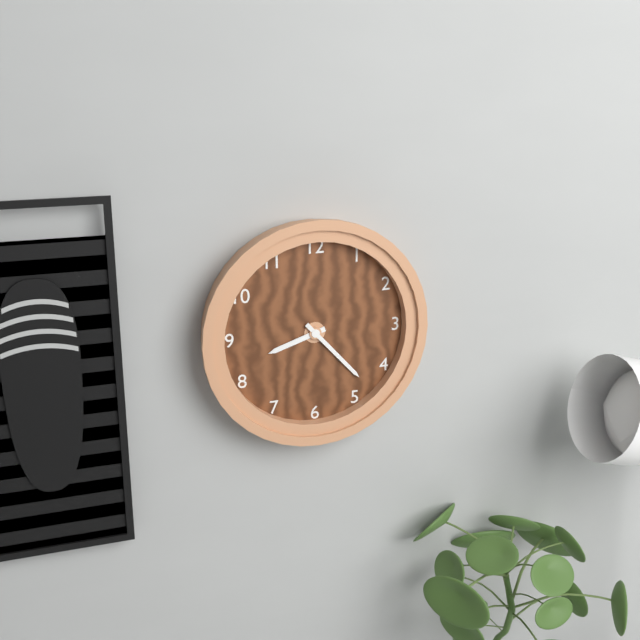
8:23
